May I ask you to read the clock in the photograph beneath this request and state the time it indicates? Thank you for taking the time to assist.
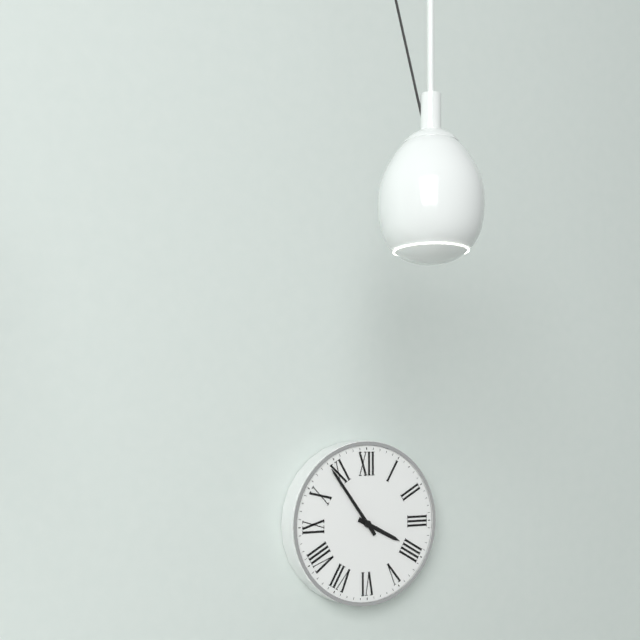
3:54
